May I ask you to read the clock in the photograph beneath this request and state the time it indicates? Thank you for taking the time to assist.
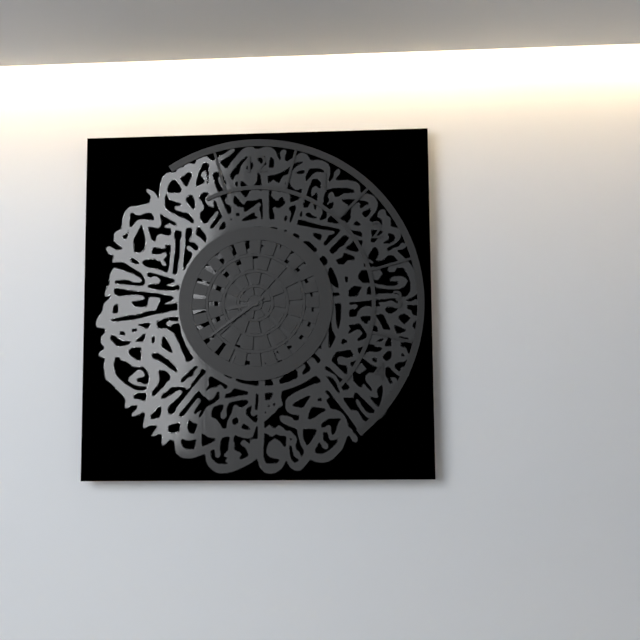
8:39
